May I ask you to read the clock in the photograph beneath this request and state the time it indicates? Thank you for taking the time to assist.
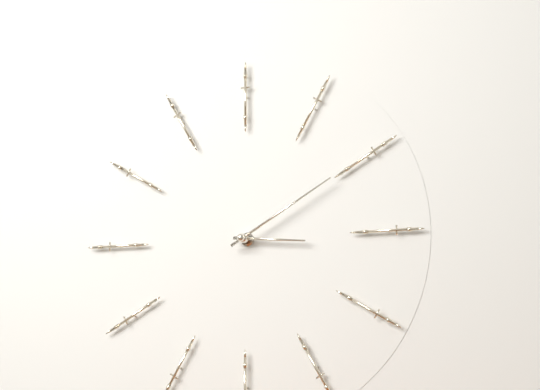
3:10
